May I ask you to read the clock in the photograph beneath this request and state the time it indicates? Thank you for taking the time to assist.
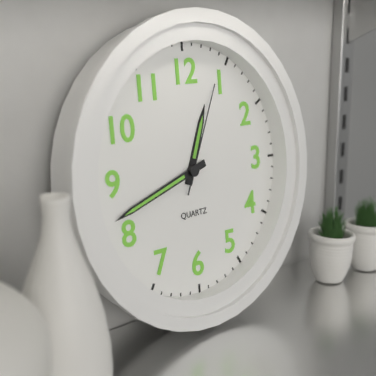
12:42:04
